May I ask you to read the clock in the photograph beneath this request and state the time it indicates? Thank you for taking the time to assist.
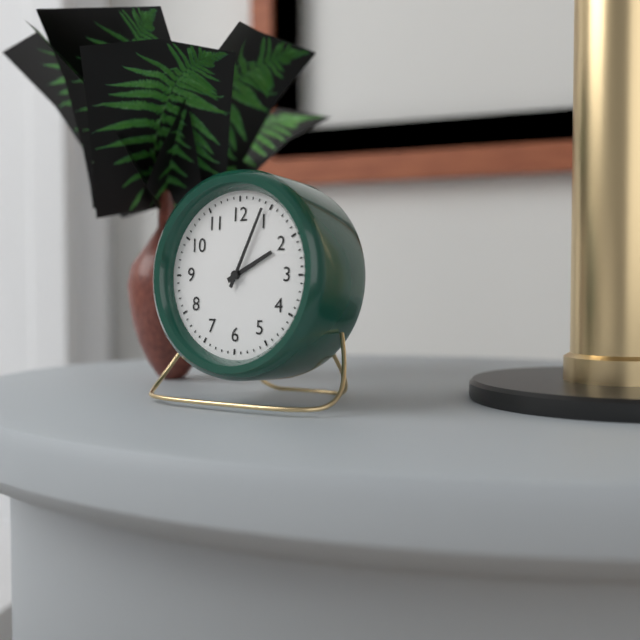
2:04
